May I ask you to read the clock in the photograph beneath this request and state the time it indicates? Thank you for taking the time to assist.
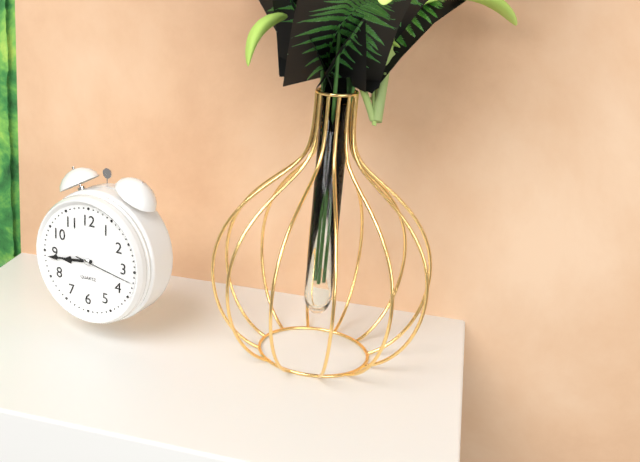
8:44:17
